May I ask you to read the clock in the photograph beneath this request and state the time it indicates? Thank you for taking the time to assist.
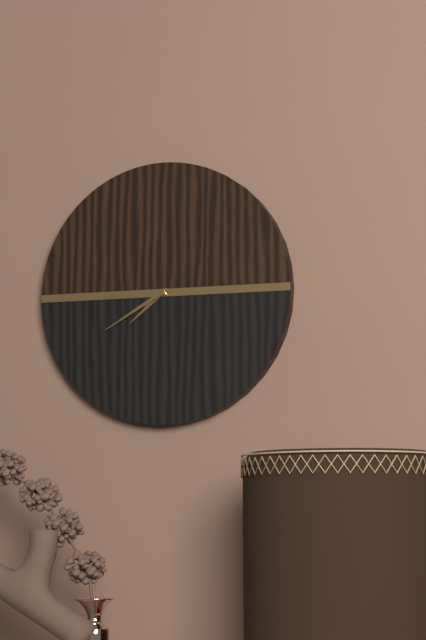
7:40
